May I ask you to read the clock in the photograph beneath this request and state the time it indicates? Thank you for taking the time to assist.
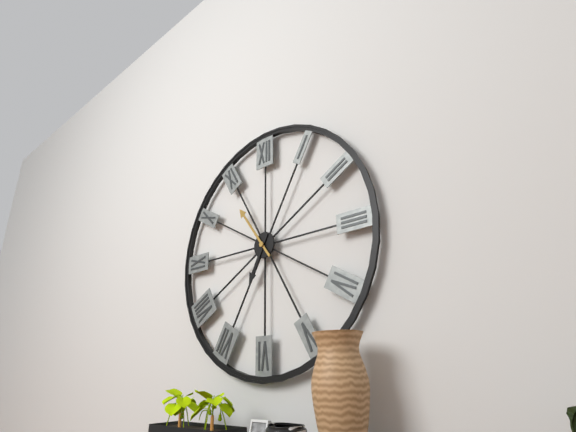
6:54
